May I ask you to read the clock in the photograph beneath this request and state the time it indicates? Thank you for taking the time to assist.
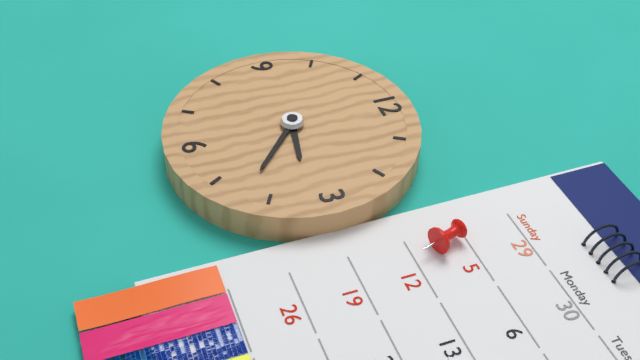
3:22
